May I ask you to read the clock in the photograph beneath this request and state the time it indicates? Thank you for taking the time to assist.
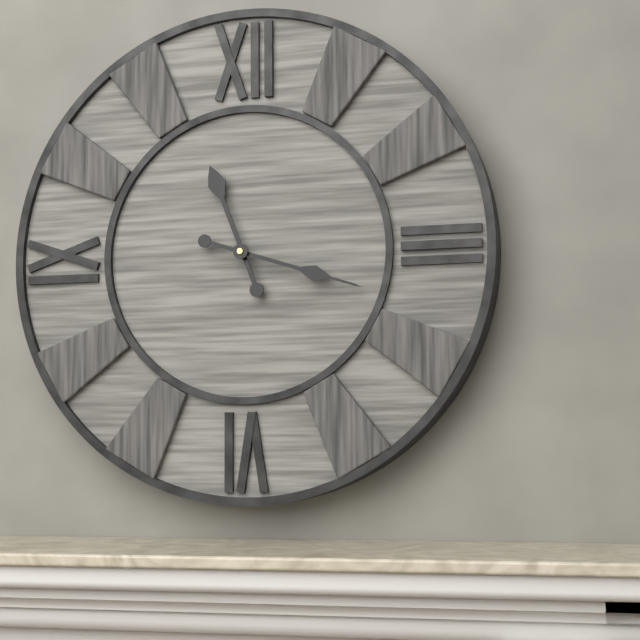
11:18
